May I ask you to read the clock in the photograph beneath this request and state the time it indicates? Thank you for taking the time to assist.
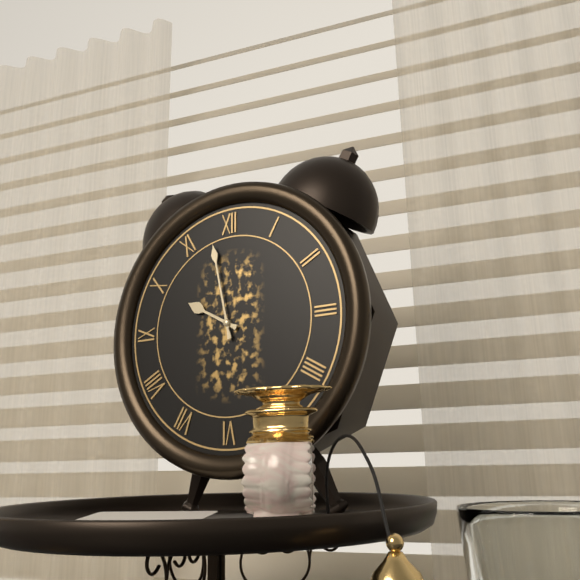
9:58
